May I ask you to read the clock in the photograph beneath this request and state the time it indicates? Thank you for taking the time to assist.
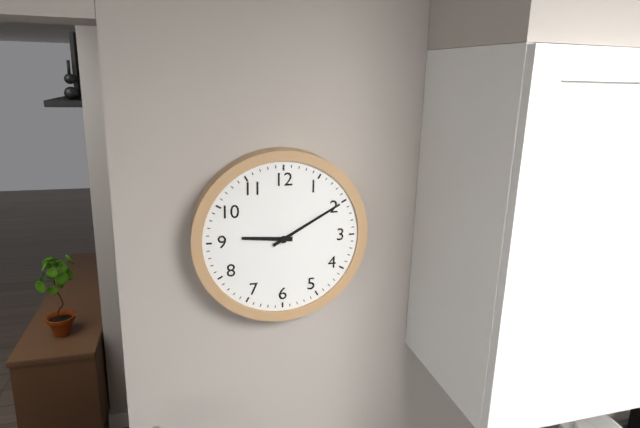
9:10
